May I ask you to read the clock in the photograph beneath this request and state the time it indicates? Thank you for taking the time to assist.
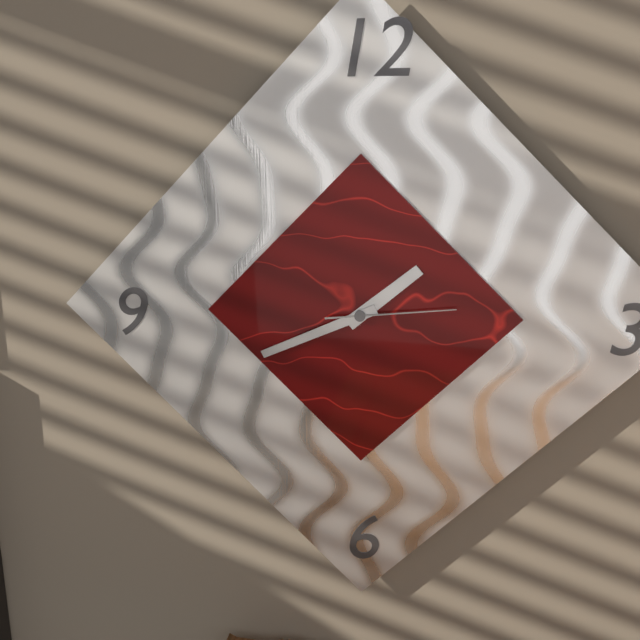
1:41:14
